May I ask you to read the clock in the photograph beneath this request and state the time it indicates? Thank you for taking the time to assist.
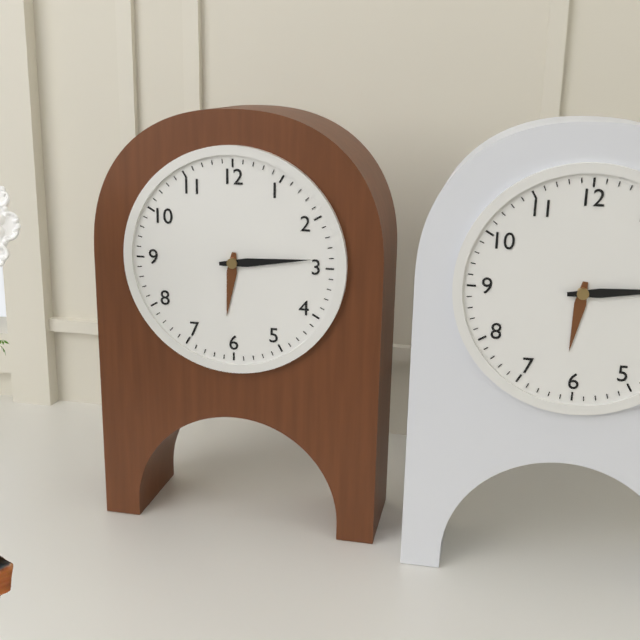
6:14
